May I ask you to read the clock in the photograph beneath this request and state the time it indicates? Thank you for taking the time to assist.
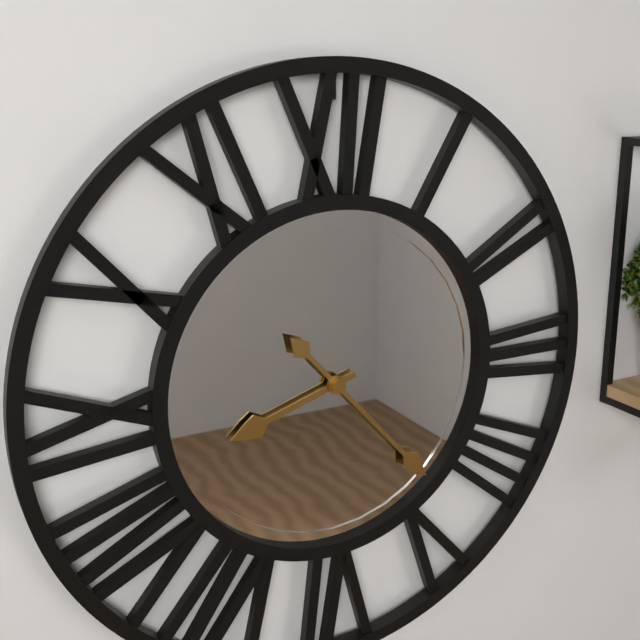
8:23
